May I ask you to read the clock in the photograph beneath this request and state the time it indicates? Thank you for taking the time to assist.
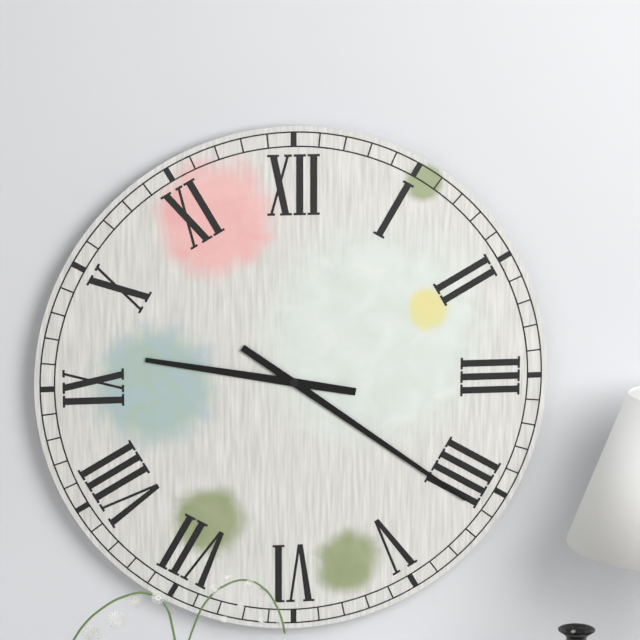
9:21
